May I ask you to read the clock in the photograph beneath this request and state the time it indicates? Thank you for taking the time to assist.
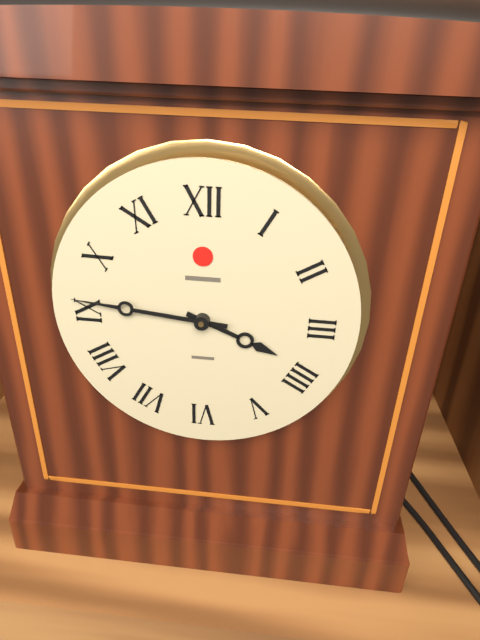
3:46
